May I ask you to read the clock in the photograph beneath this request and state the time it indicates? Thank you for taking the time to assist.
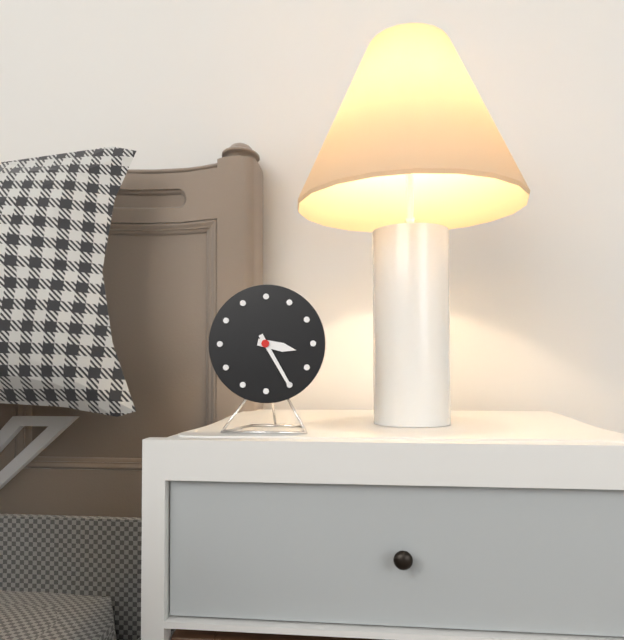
3:25
